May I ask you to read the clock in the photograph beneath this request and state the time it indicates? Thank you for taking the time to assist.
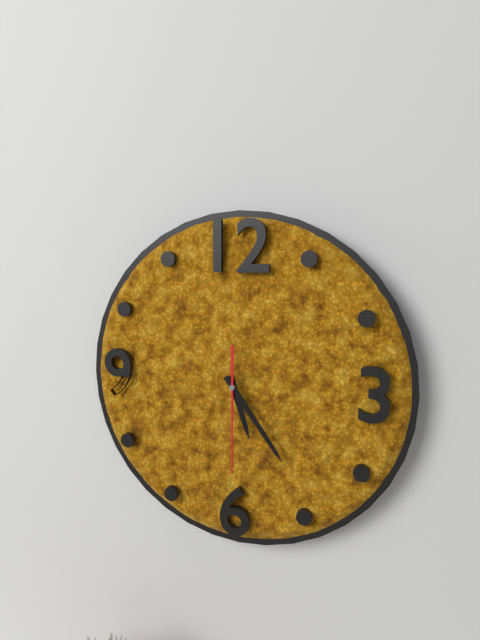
5:24:30
